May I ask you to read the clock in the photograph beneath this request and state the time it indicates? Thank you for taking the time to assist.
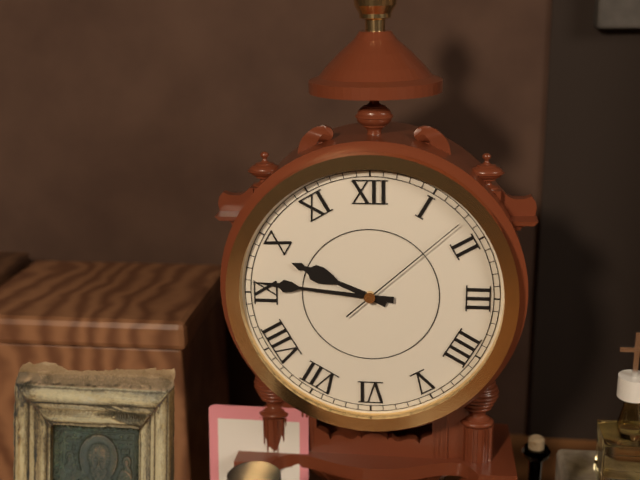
9:46:08
